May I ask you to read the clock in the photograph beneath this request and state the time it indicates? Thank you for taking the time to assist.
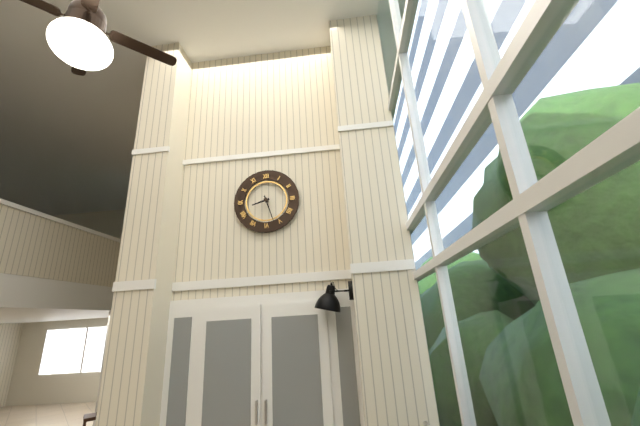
8:27
